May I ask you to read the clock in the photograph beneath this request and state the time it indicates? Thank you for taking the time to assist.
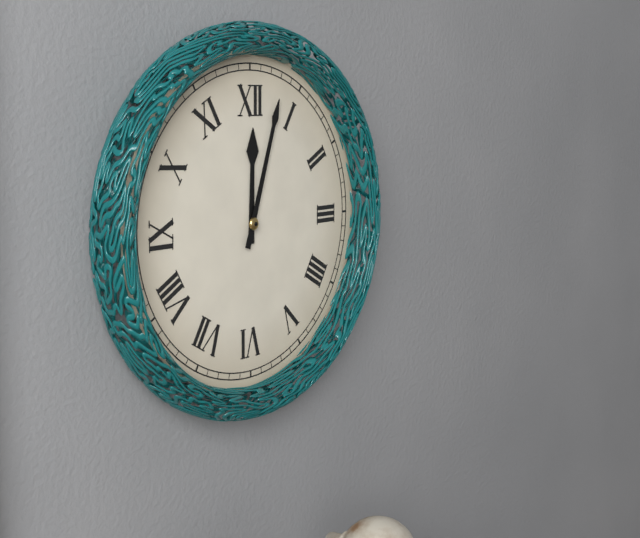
12:03
